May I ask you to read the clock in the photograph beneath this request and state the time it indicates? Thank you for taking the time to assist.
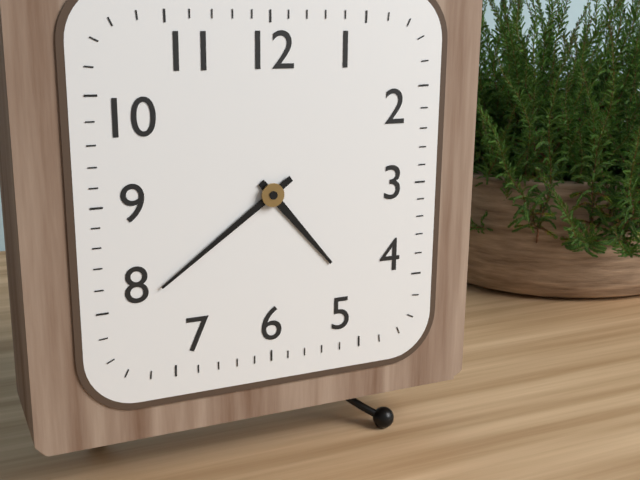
4:39
